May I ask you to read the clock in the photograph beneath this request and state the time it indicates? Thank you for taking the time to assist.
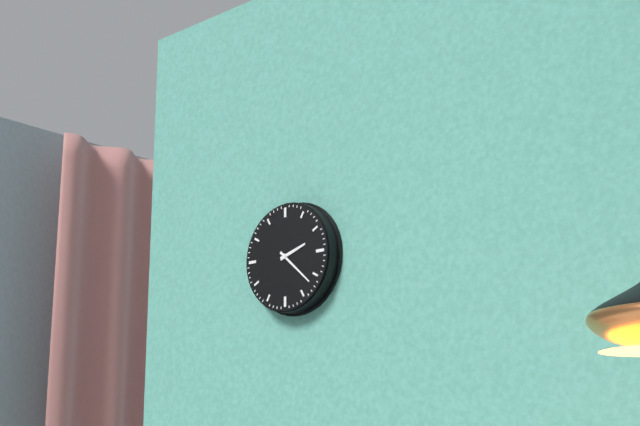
2:22
